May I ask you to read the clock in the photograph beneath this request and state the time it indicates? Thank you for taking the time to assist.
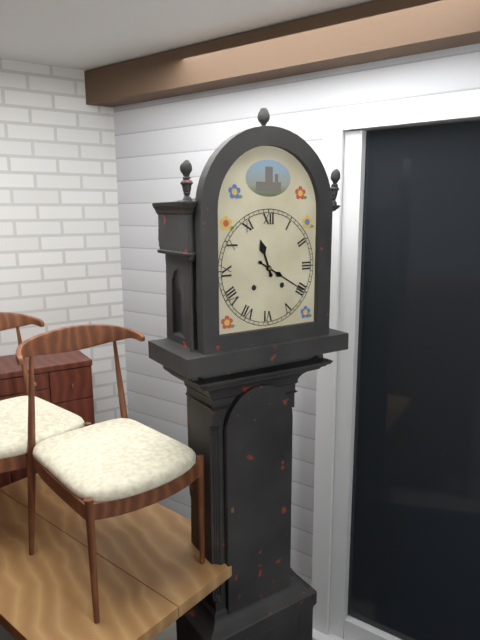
11:20
